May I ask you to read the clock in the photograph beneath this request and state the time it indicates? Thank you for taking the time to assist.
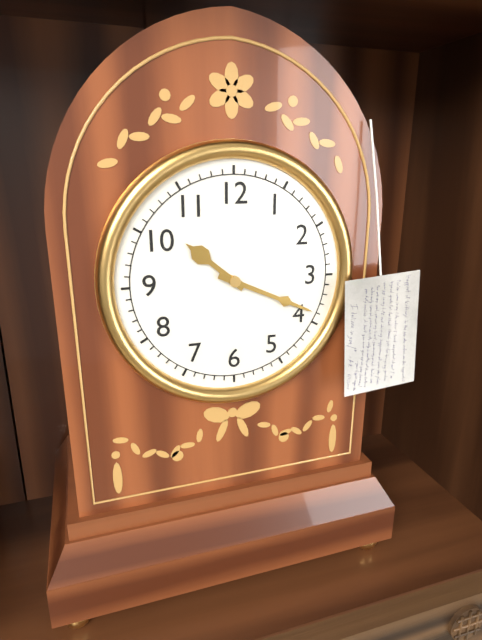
10:19
